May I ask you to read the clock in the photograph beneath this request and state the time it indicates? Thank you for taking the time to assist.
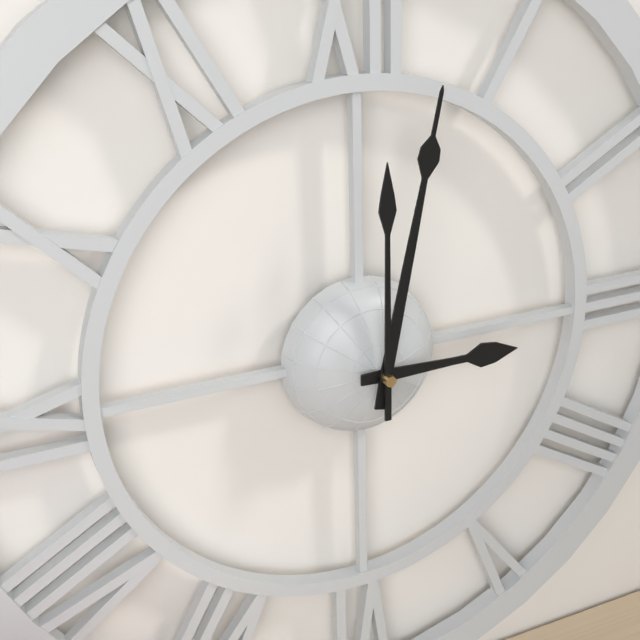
3:02:00
